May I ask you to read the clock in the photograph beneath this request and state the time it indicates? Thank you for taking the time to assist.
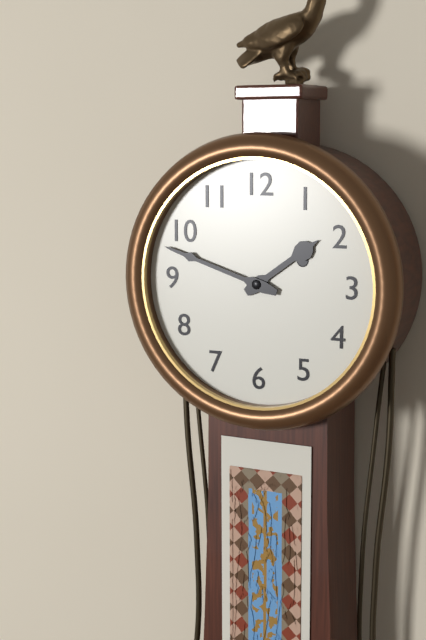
1:48
